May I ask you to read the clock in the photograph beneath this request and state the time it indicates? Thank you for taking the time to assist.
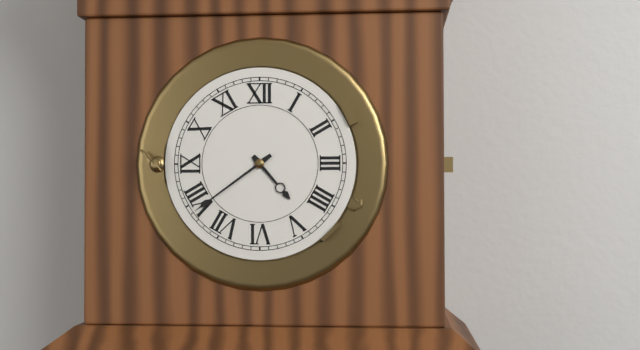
4:39
